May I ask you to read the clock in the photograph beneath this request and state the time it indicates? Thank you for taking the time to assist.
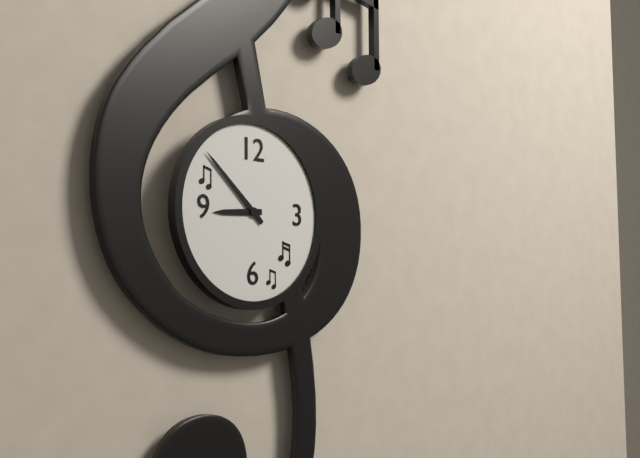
8:52
